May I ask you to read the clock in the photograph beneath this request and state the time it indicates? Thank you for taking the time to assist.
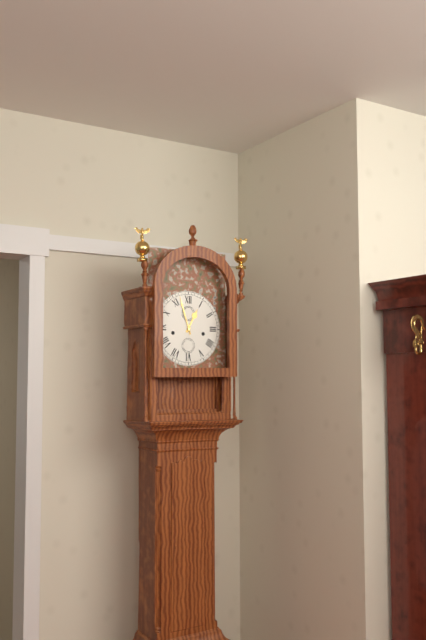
12:57
